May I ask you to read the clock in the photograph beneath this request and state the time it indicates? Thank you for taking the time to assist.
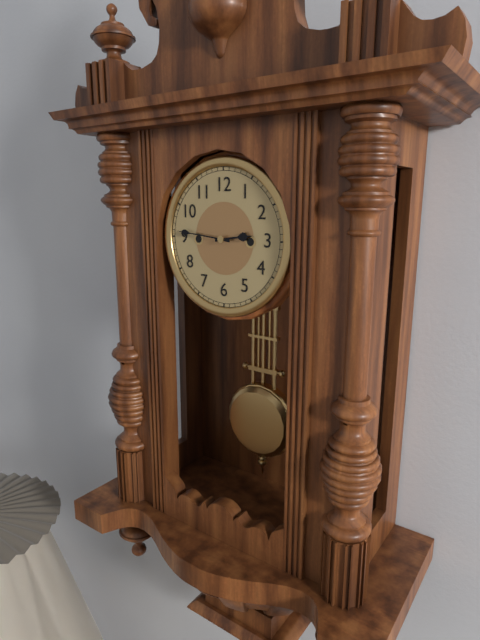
2:46
